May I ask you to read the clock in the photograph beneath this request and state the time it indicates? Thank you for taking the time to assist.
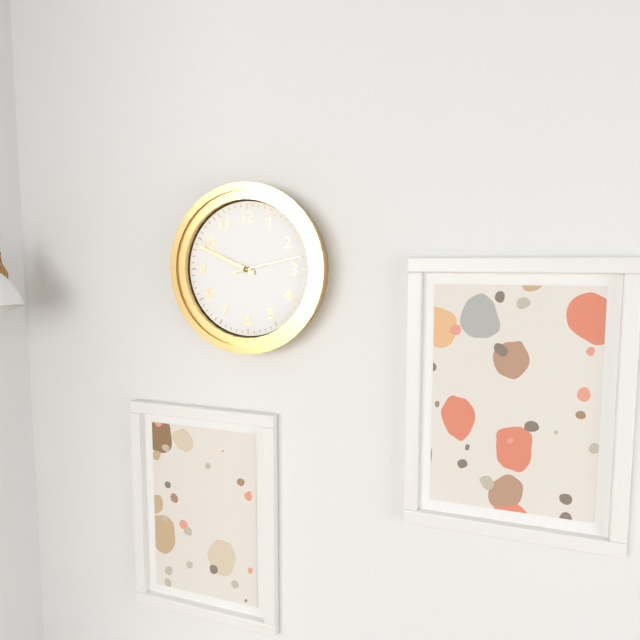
9:49:13
